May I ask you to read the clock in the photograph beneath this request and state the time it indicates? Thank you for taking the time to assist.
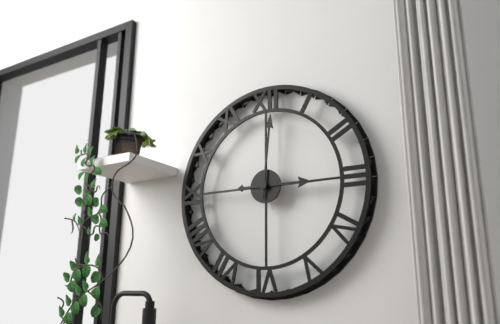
3:01
